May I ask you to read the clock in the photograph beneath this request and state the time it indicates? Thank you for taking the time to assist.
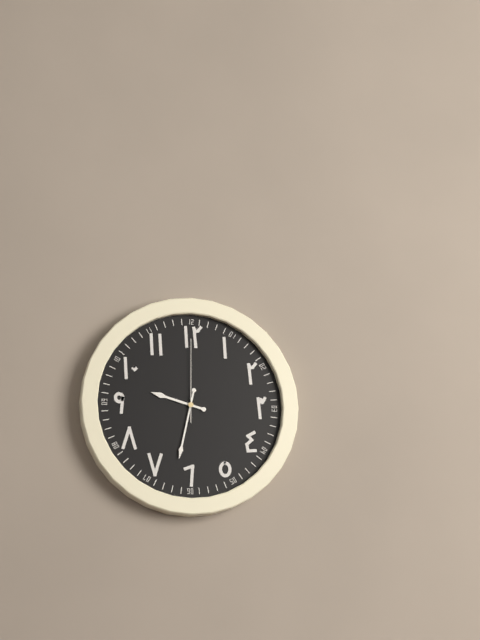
9:32:00
